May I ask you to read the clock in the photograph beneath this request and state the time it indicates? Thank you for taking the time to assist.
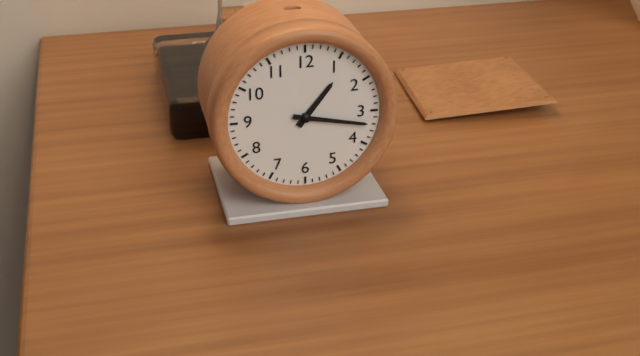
1:17
